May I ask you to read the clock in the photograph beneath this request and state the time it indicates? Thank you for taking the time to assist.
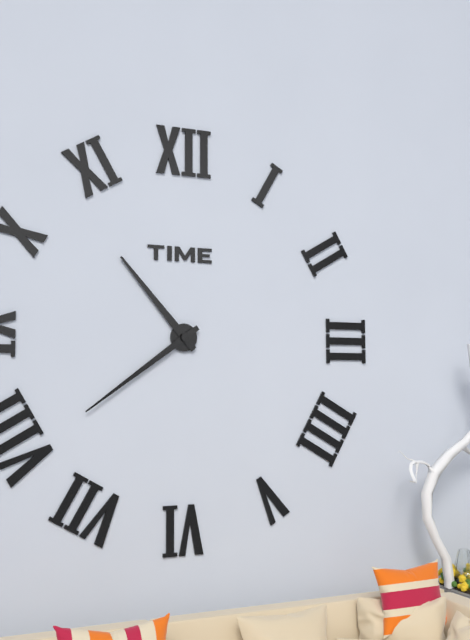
10:39
